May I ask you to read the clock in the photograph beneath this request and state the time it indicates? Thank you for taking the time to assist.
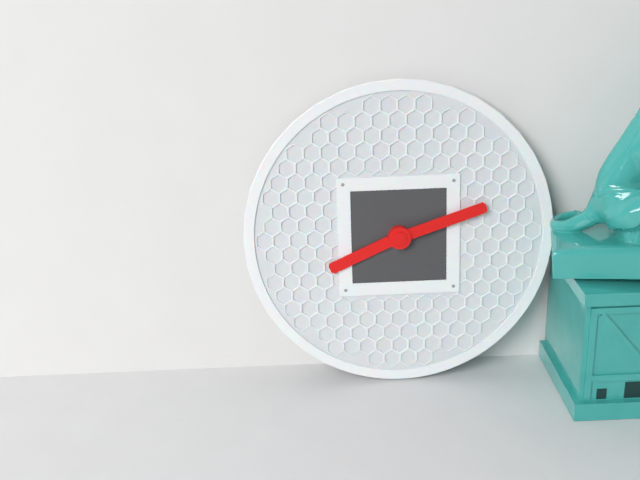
8:12
